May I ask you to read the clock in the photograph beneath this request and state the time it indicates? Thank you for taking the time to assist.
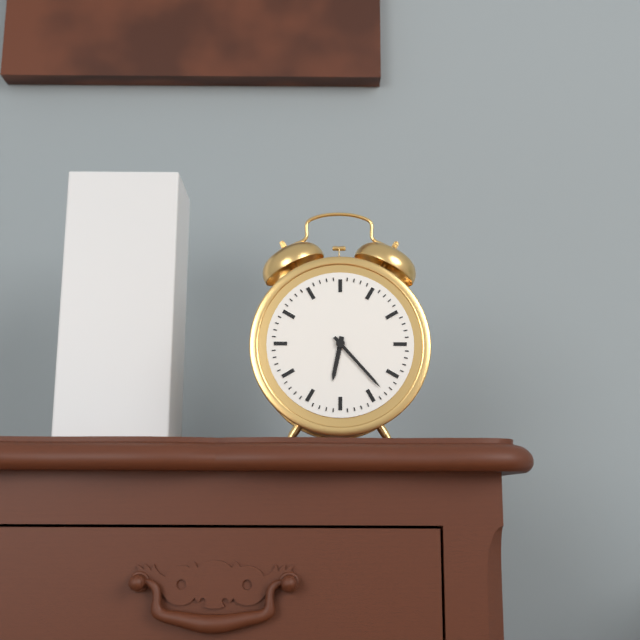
6:23
